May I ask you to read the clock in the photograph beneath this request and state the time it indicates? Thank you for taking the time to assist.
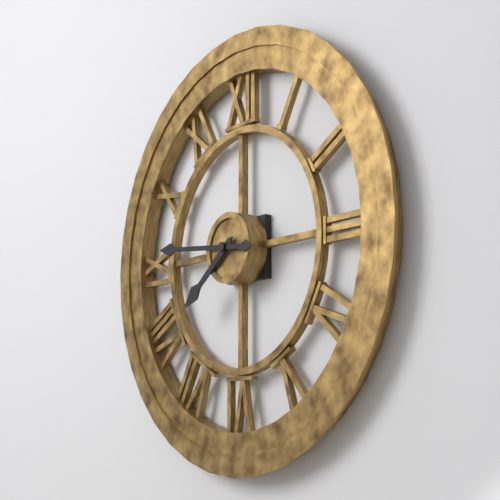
7:46
